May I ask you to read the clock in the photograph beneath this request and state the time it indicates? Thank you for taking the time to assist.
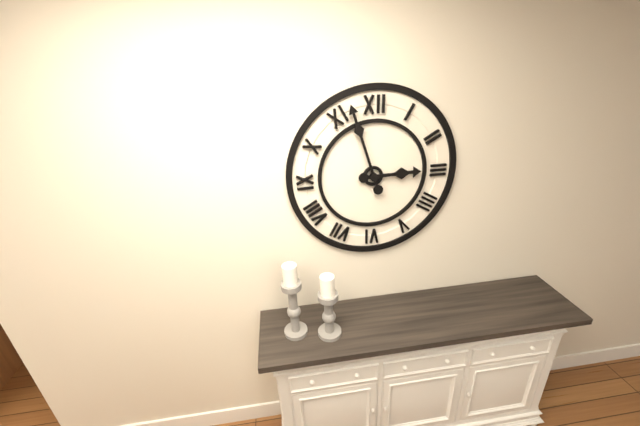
2:57
